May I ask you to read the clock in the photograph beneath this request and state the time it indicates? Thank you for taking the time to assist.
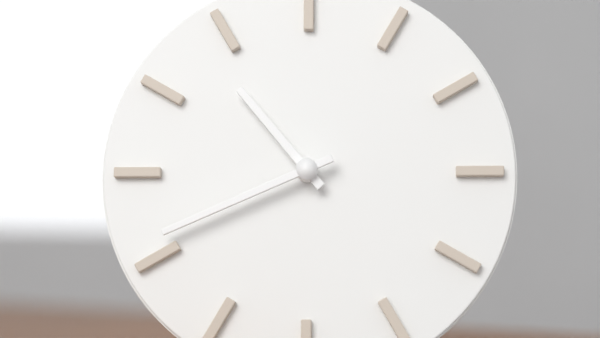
10:41
